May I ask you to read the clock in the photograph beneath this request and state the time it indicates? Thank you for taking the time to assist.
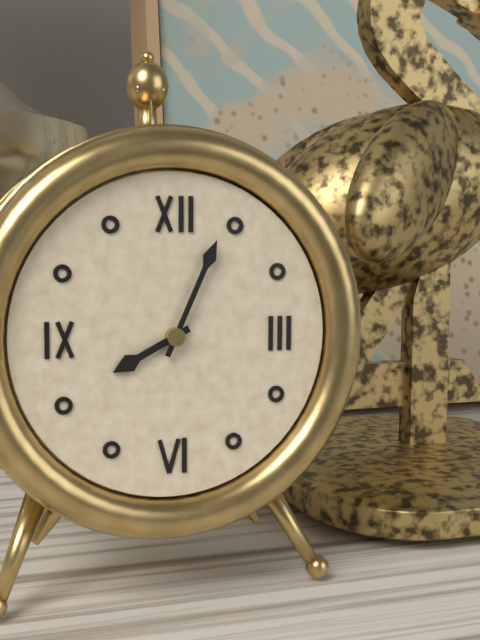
8:04
